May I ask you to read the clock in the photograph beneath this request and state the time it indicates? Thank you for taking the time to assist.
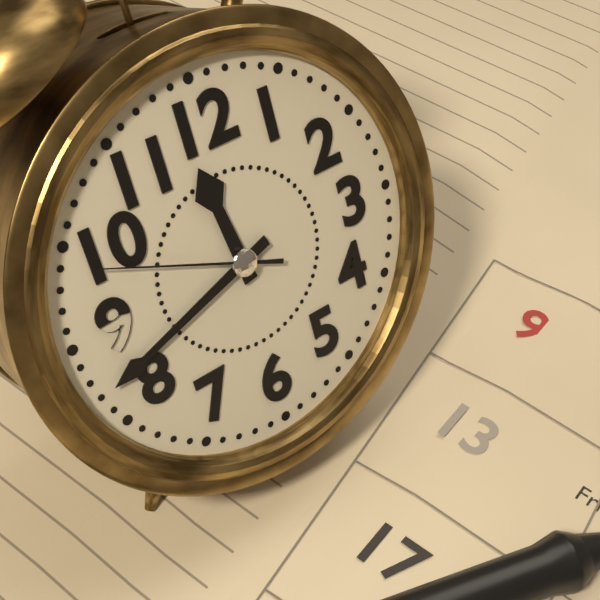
11:42:49
